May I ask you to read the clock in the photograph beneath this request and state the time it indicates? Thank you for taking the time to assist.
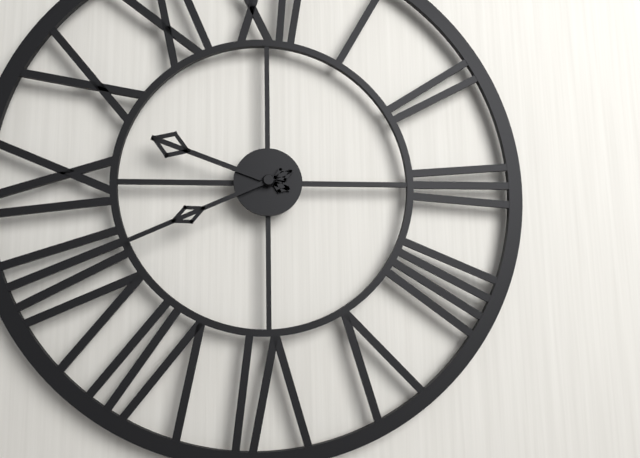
9:41
